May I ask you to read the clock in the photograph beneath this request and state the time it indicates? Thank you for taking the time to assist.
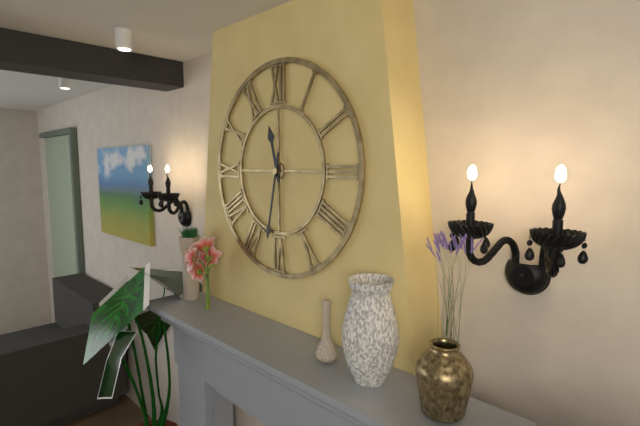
11:32
